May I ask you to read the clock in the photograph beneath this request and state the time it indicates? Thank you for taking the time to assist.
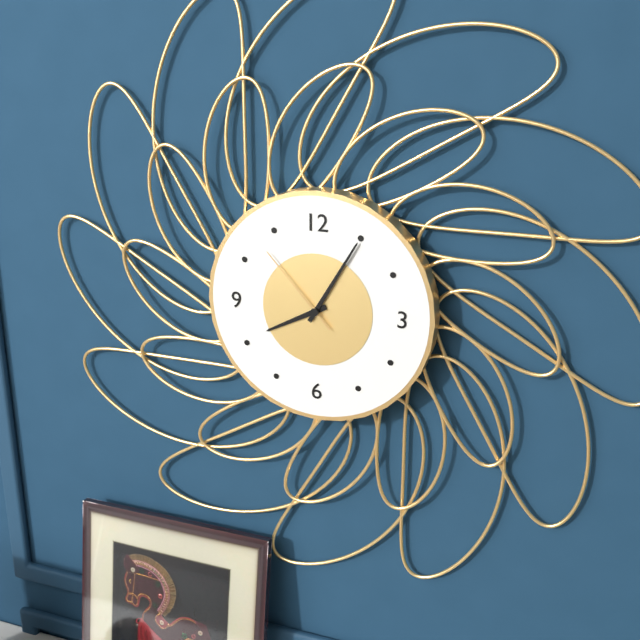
8:05:53
